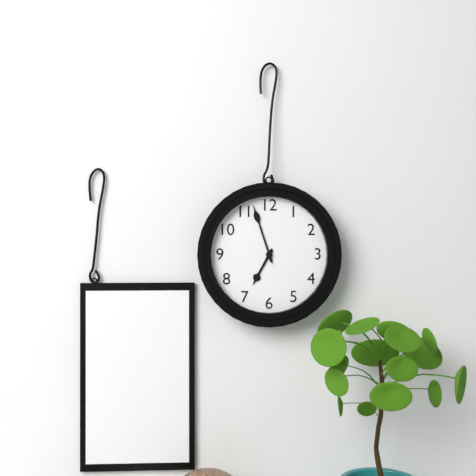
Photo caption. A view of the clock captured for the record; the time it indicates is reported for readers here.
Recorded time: 6:57
